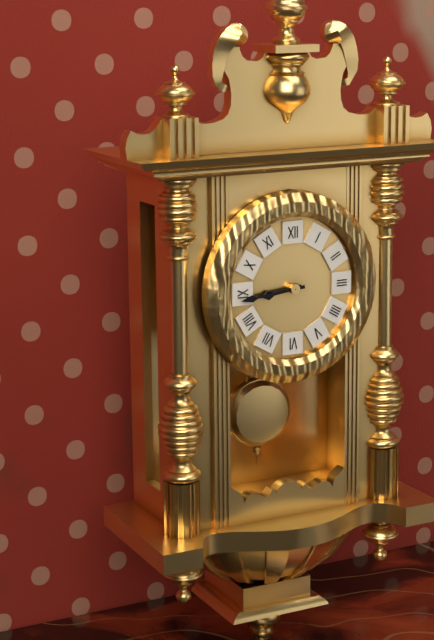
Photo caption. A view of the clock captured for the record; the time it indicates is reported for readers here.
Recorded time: 8:44
